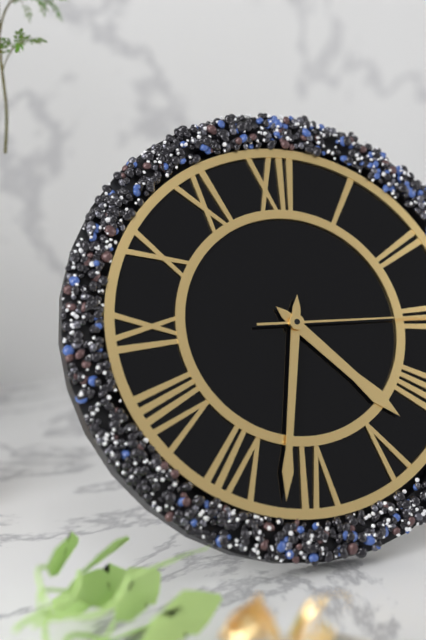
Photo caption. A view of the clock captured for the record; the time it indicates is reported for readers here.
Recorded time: 4:32
